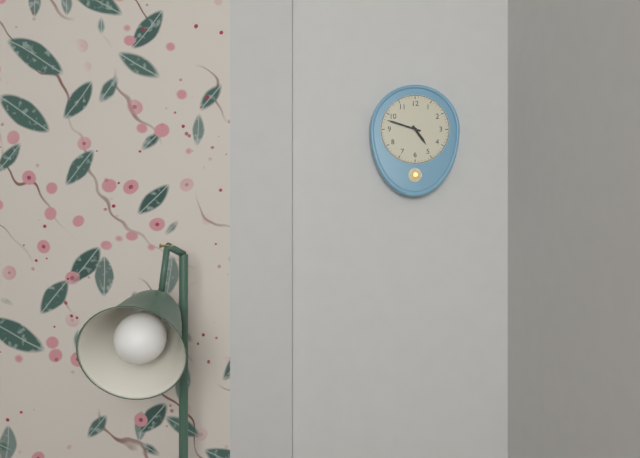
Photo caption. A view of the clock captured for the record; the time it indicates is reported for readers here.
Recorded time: 4:48
